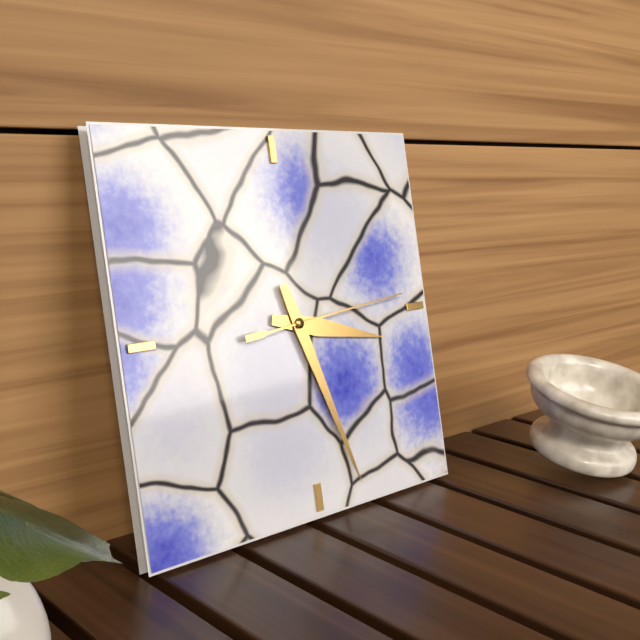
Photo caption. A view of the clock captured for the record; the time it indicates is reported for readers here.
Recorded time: 3:27:14
